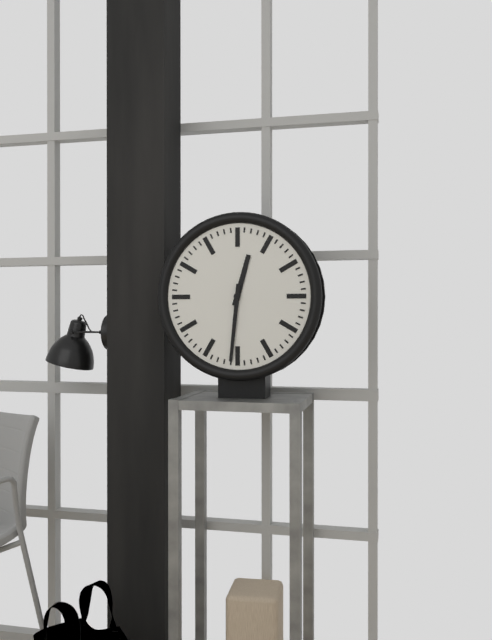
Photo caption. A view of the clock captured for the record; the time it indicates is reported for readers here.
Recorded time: 12:31
